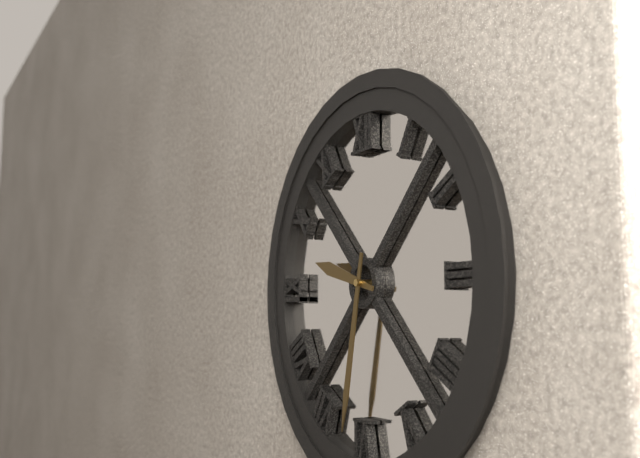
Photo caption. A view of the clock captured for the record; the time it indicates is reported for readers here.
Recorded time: 9:32
